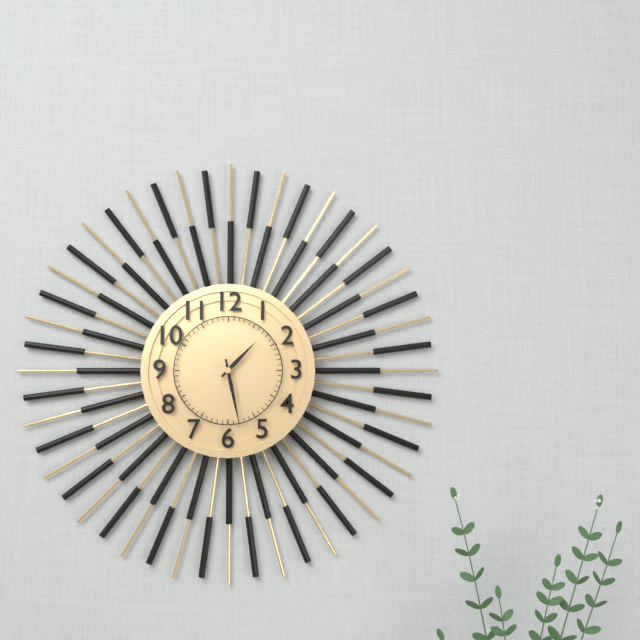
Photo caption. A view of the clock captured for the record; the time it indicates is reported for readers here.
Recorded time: 1:28
